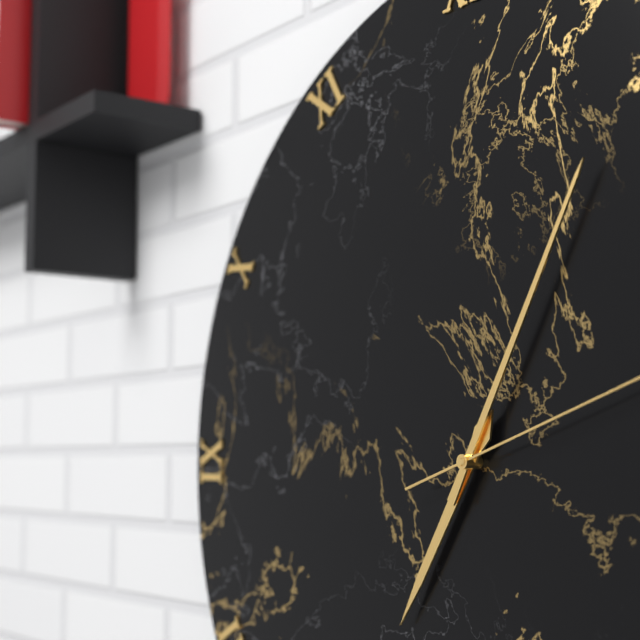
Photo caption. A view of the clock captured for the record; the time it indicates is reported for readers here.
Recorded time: 7:05
